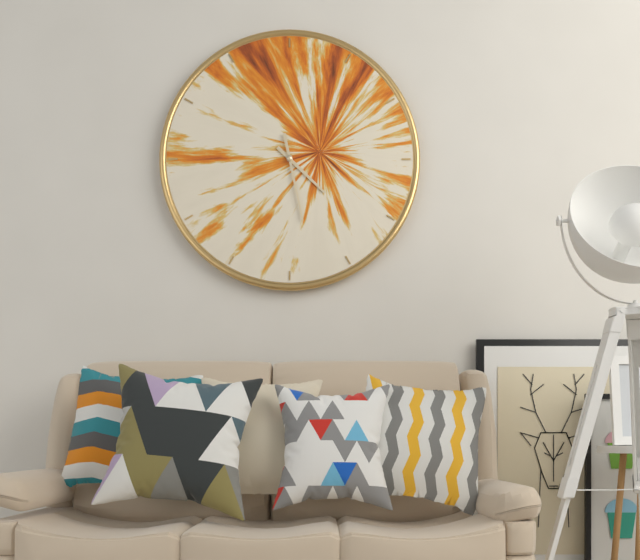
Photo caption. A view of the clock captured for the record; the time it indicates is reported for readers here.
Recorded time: 4:28
